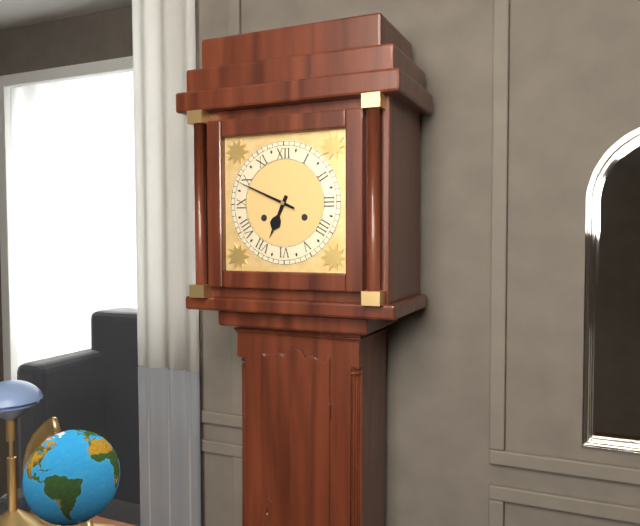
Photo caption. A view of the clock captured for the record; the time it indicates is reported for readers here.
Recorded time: 6:49
